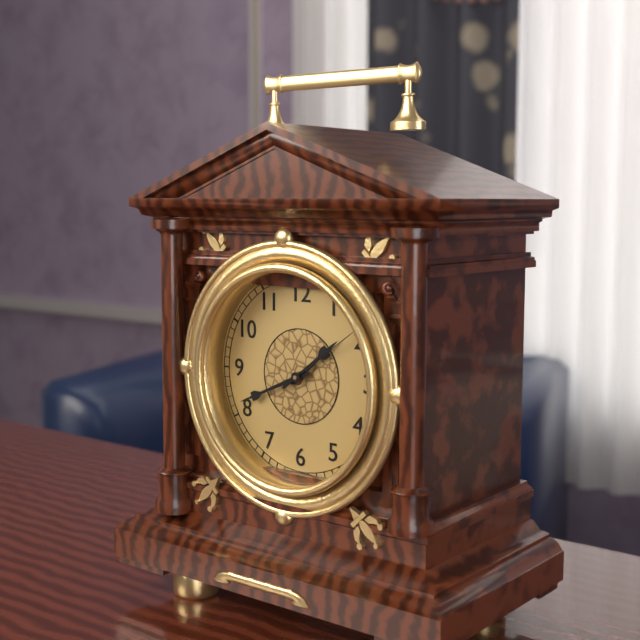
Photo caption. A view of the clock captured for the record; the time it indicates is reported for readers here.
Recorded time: 1:41:09
